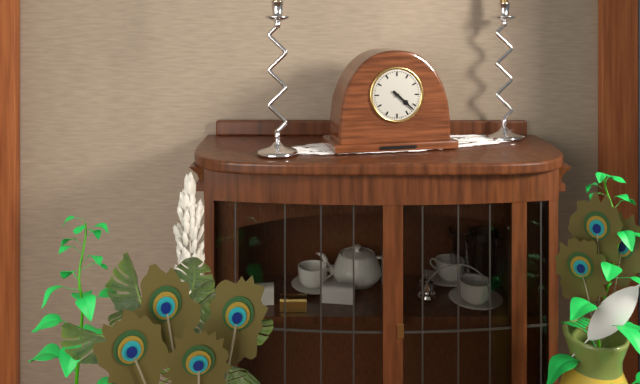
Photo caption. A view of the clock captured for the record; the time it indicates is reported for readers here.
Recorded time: 4:22
